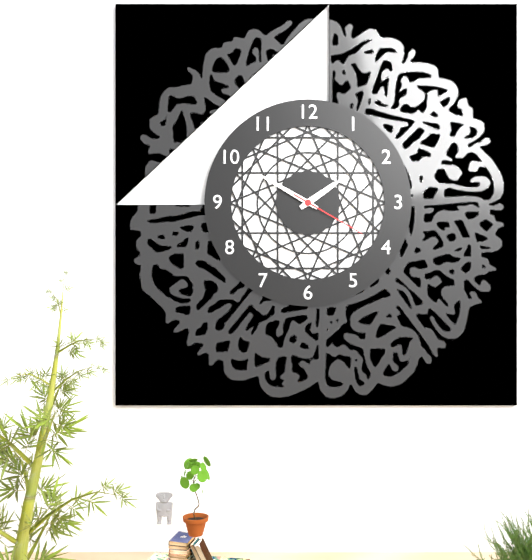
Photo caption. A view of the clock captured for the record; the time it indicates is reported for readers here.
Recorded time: 1:50:20
